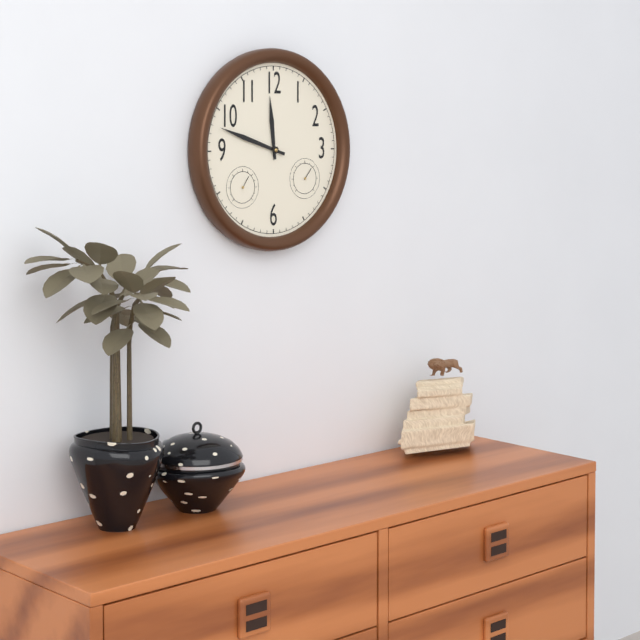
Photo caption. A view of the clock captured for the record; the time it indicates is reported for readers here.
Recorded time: 11:48
